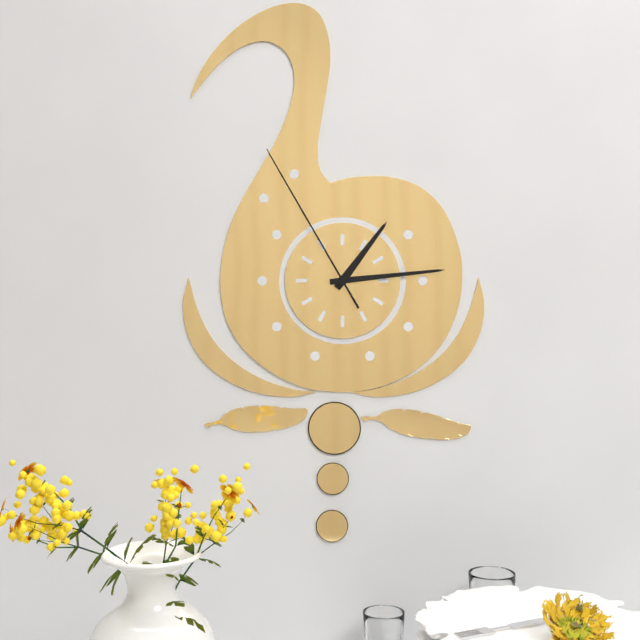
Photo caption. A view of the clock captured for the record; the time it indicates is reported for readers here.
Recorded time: 1:14:55
